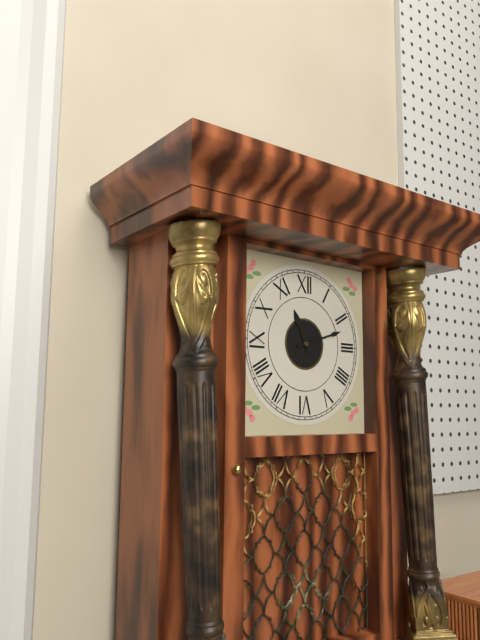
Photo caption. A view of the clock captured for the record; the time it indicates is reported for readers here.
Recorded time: 11:12
